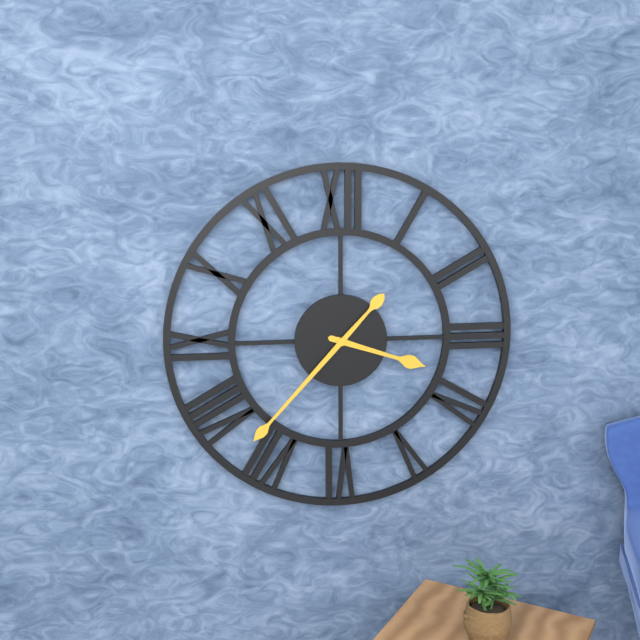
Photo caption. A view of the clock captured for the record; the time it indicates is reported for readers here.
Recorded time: 3:37
